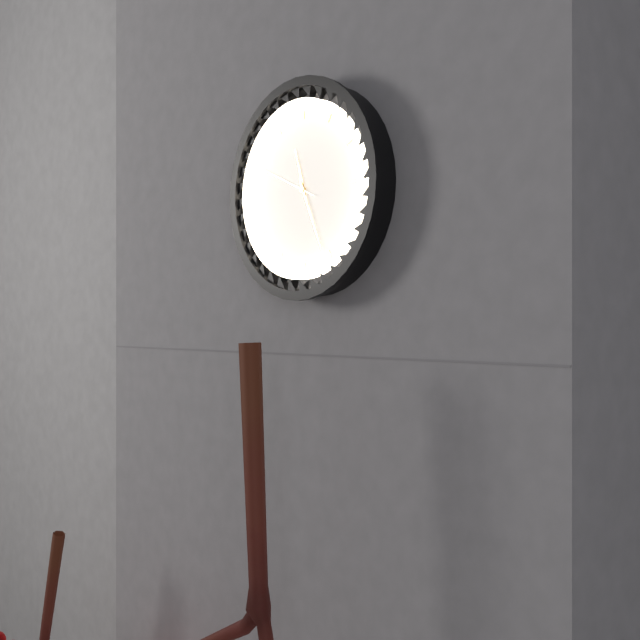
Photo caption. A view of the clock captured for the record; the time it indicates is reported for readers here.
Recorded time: 11:26:49
